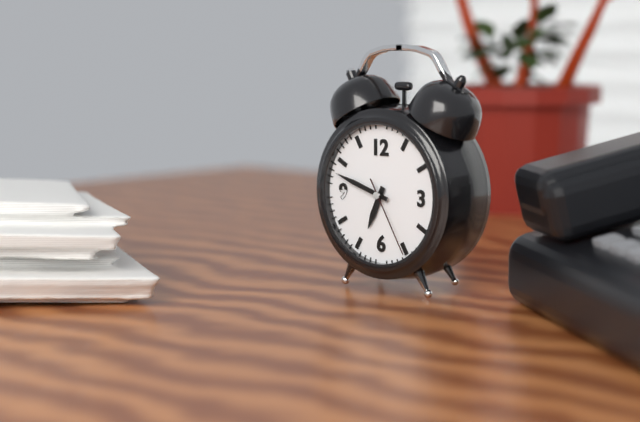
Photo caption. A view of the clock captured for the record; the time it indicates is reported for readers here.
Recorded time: 6:48:25
